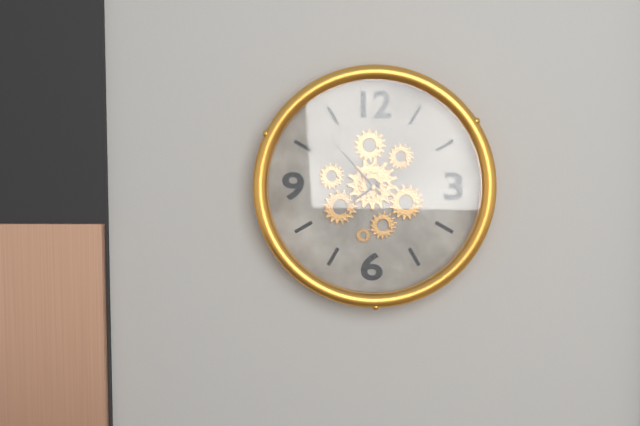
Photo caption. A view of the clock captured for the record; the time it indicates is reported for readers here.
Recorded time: 7:53
